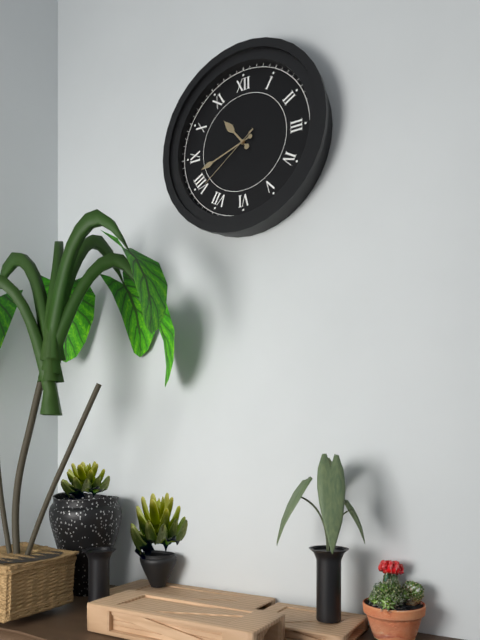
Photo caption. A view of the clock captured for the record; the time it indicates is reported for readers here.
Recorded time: 10:42:39
